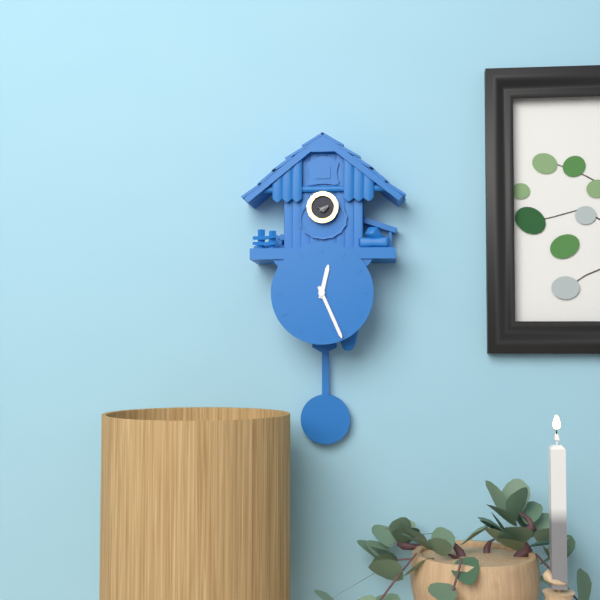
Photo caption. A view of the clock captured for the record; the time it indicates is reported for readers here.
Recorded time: 12:26
